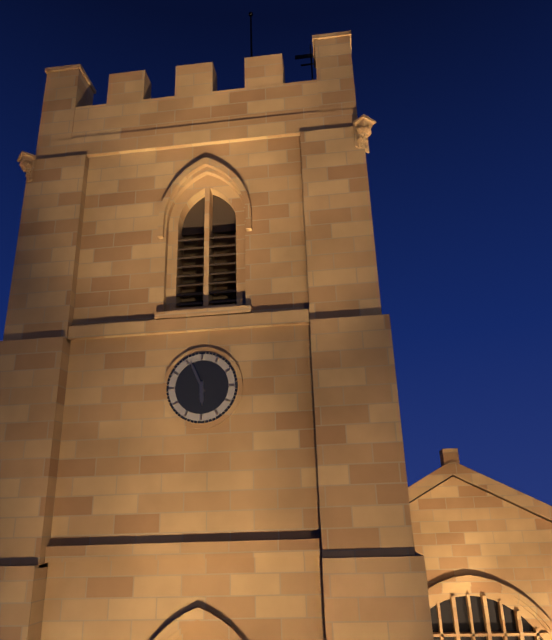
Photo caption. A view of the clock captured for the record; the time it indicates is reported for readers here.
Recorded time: 5:56
